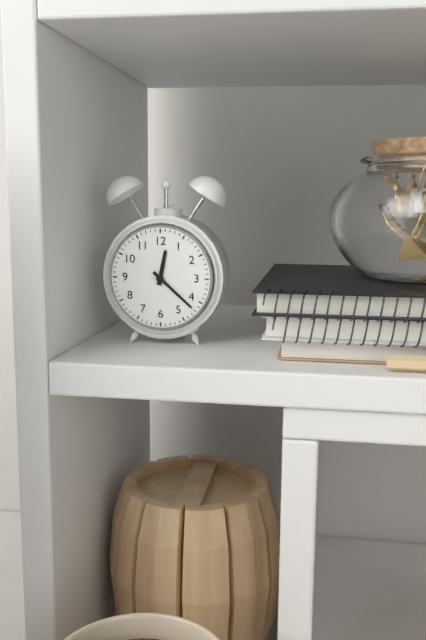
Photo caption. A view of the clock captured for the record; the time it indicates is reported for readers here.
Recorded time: 12:22
